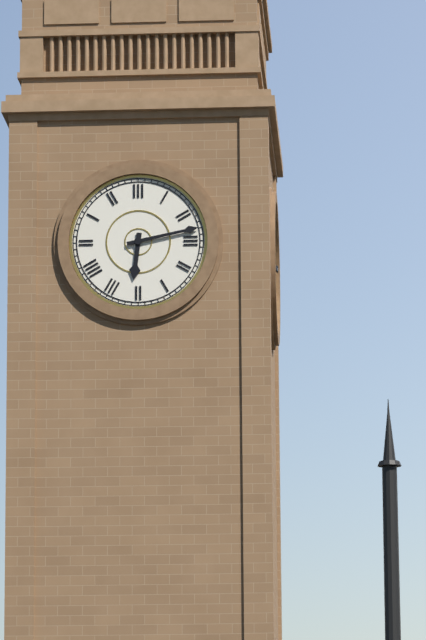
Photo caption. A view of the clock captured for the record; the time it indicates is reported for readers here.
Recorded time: 6:13
